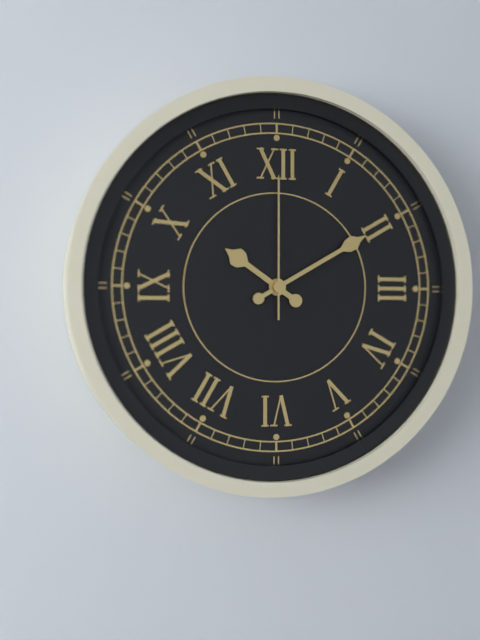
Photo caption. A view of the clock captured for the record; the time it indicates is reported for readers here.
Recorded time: 10:10:00
